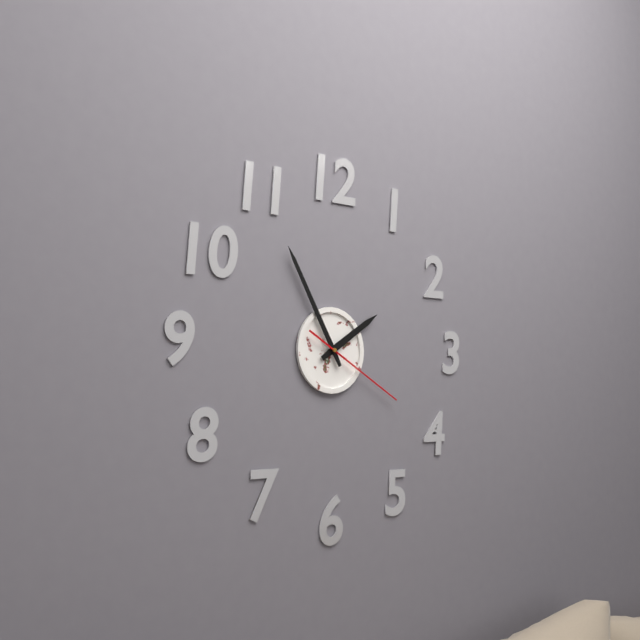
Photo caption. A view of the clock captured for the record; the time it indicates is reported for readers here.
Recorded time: 1:55:20
